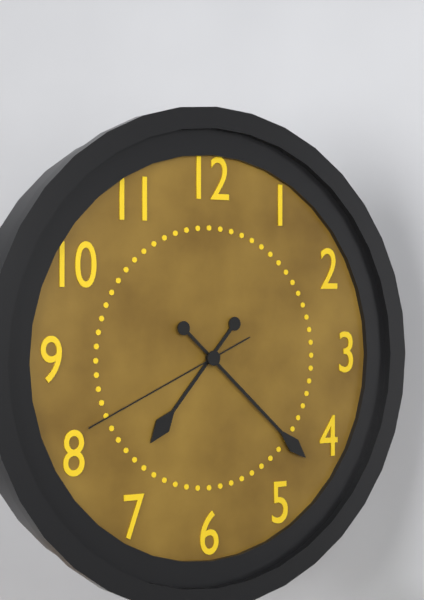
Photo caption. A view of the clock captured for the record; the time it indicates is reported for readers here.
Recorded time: 7:22:41
